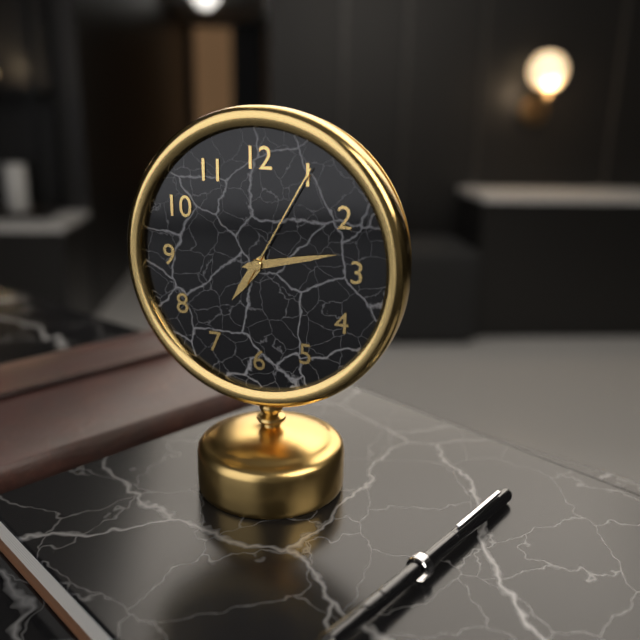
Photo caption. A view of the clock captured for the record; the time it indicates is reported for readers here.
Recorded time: 7:13:05
